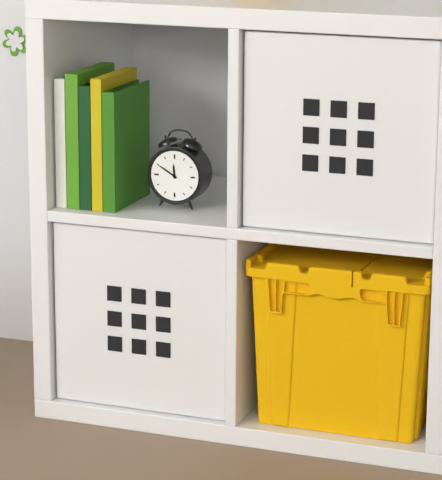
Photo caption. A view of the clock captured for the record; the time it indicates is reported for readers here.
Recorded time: 11:50
